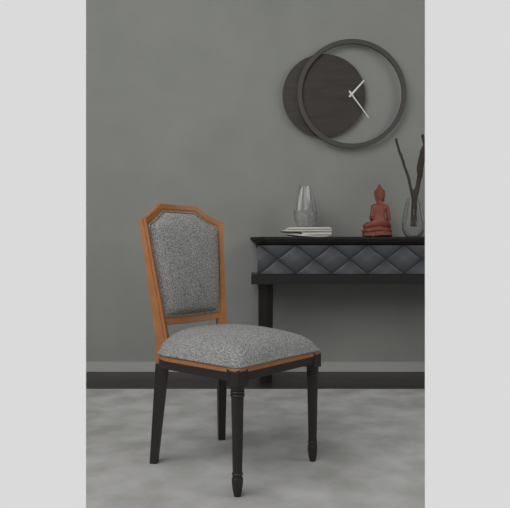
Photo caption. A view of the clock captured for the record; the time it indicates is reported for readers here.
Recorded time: 1:24
